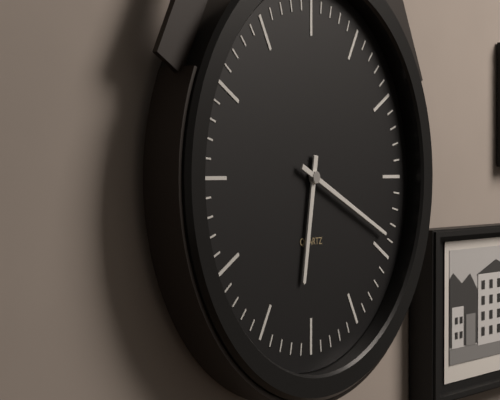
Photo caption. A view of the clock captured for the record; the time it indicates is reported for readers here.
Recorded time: 6:19
